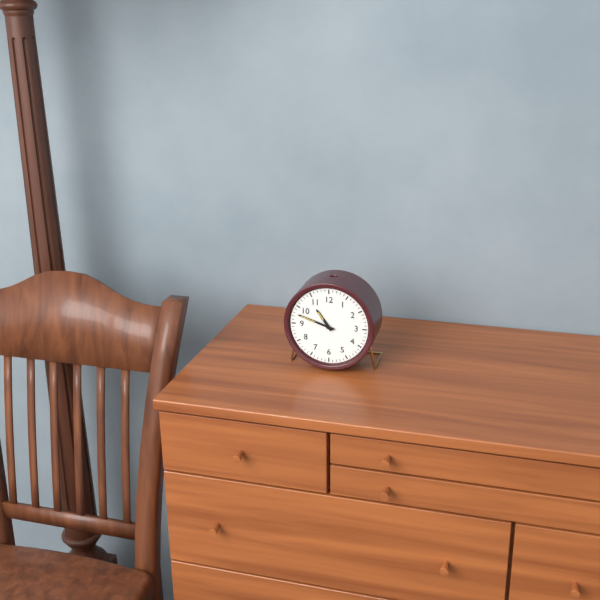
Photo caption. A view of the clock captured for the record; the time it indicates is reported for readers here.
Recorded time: 10:48
